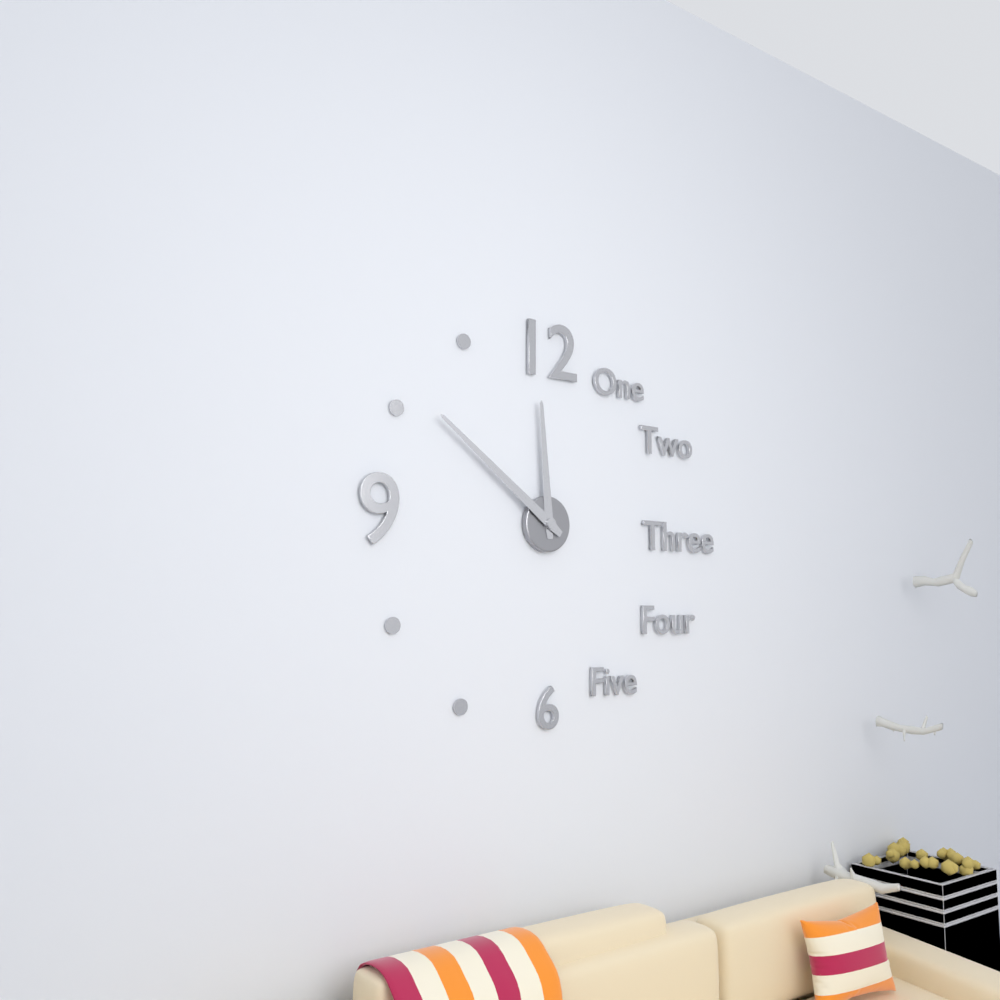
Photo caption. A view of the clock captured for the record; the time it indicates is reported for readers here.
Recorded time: 11:51
